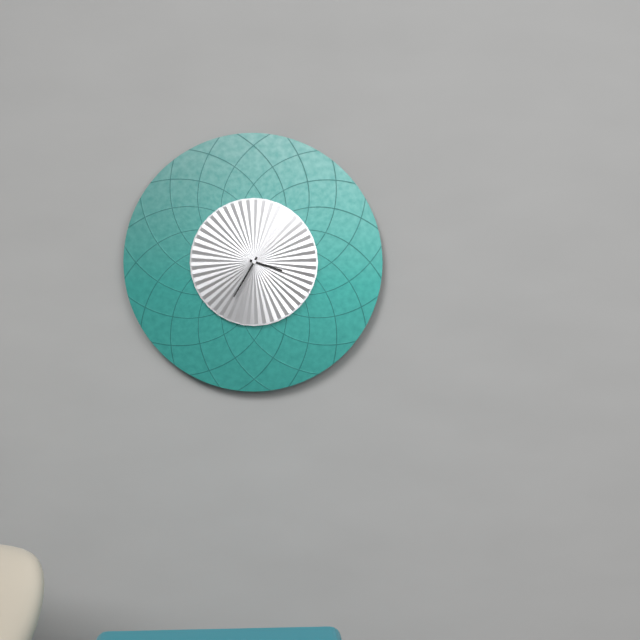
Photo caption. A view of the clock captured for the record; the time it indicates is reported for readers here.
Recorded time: 3:35
